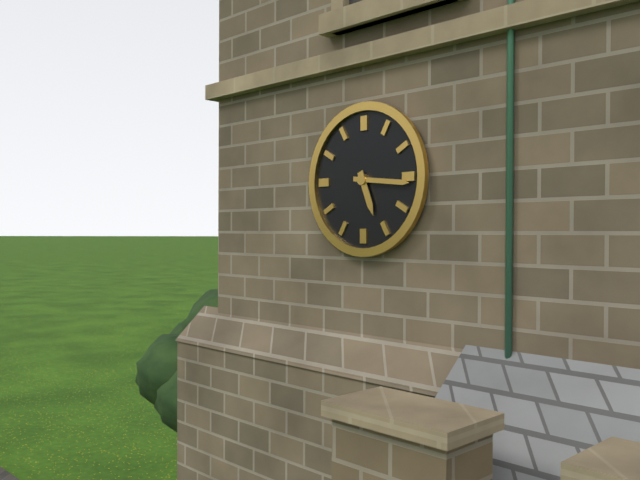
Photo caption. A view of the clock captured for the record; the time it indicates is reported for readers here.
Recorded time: 5:16
